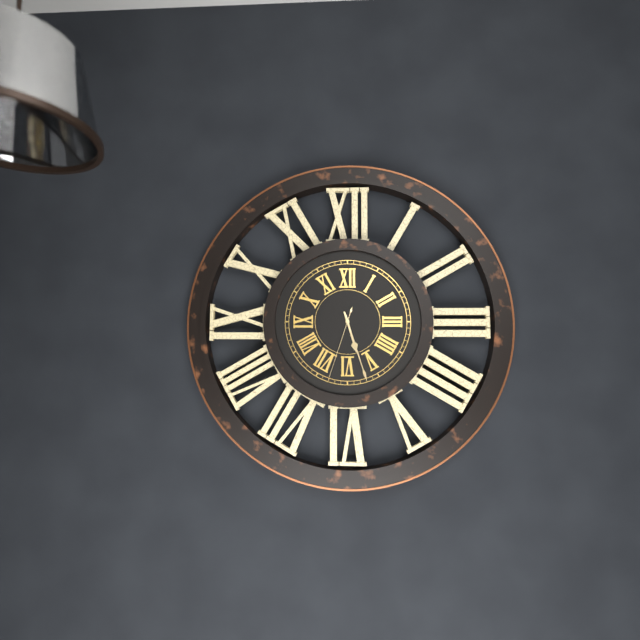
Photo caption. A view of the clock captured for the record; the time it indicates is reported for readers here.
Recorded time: 5:27:33
